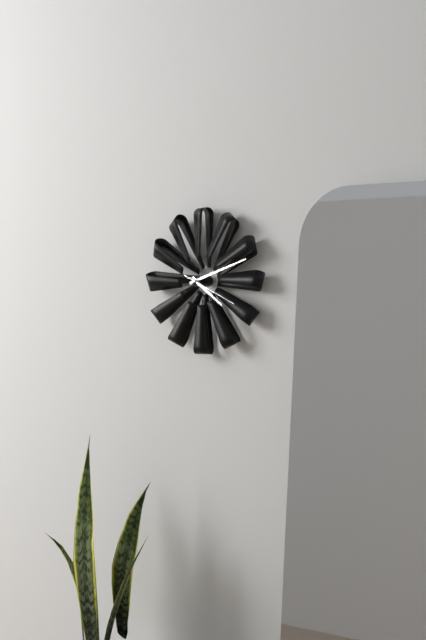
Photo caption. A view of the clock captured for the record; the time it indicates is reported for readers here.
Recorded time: 4:12:19
